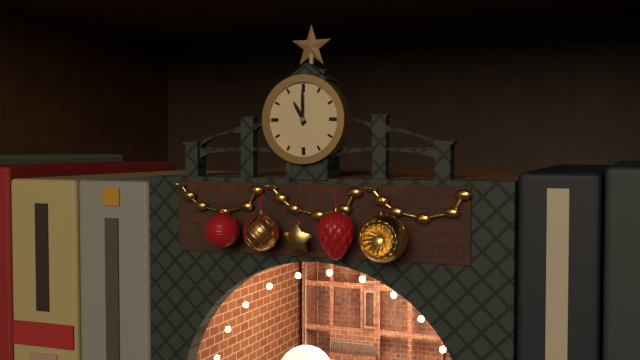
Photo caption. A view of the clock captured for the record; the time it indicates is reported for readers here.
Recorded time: 11:00
